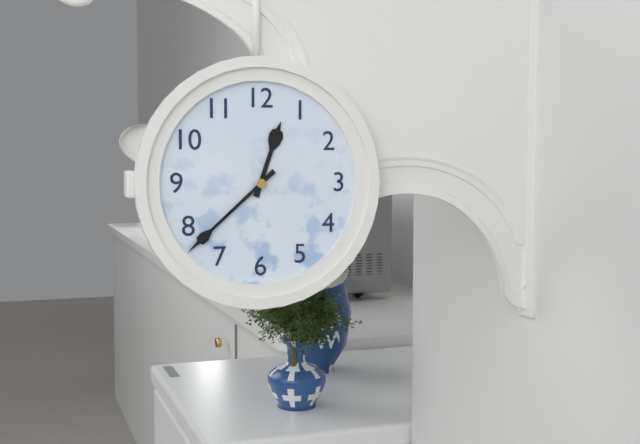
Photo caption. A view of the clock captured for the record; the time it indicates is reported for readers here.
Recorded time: 12:38
